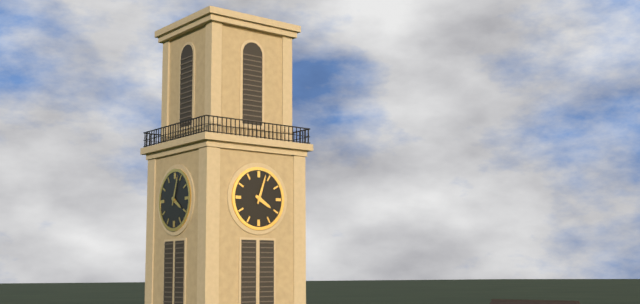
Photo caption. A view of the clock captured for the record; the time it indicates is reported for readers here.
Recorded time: 4:03
